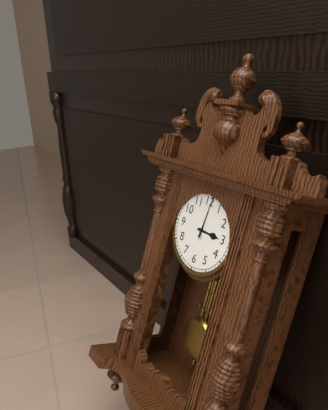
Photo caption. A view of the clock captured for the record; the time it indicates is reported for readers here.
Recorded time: 3:01
